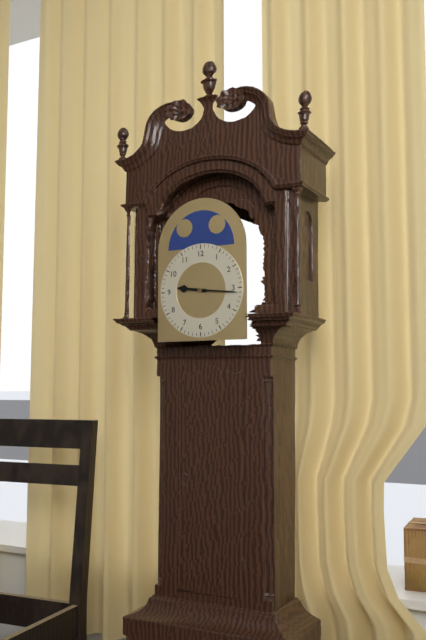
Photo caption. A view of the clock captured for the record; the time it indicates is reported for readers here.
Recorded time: 9:16
